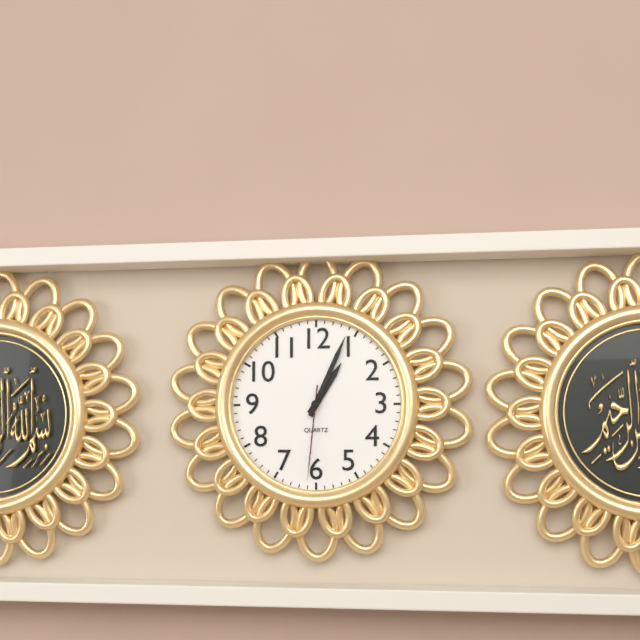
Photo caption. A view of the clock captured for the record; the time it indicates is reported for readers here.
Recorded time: 1:04:31
